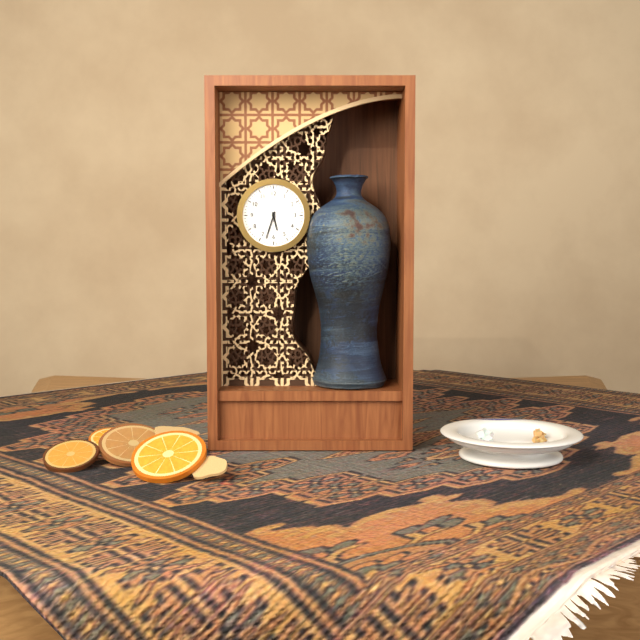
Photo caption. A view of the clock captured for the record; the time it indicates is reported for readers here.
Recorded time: 5:33
